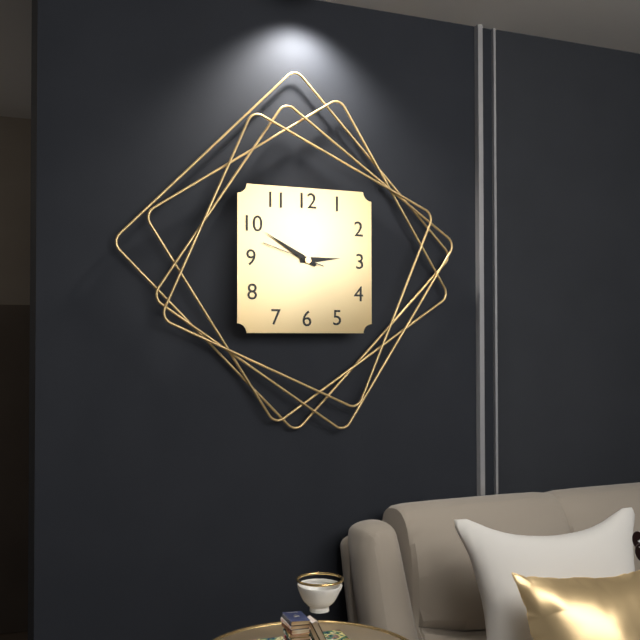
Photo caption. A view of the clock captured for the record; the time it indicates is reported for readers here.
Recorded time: 2:50:48
